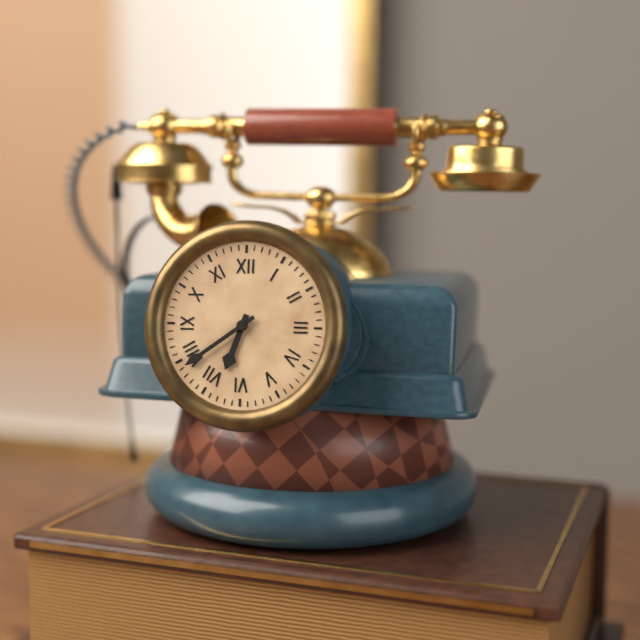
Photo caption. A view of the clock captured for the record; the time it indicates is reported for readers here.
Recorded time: 6:39
